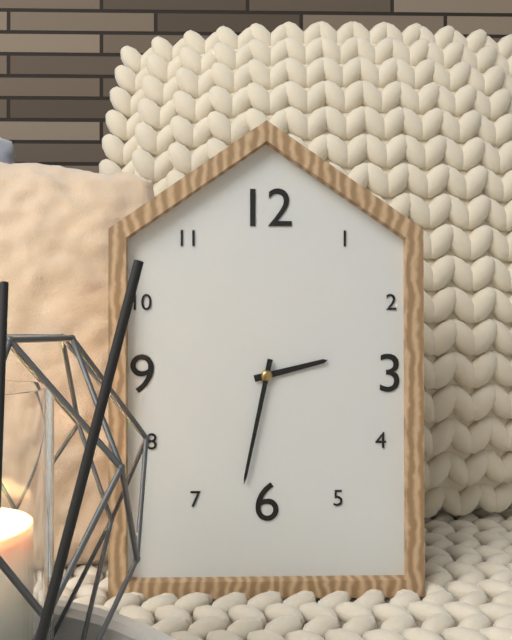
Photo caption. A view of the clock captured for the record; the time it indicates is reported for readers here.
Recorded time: 2:32
